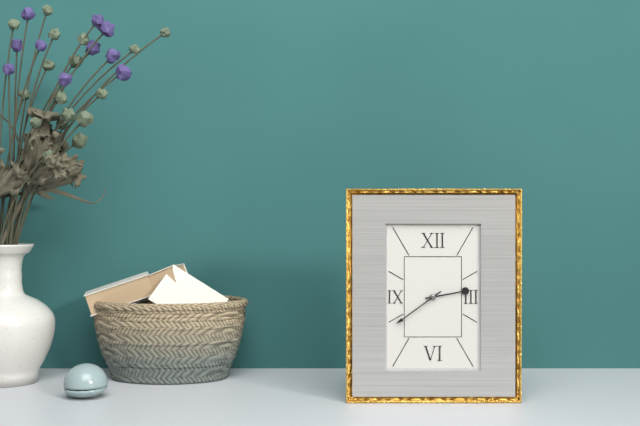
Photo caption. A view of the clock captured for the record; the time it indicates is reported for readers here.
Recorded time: 2:39
